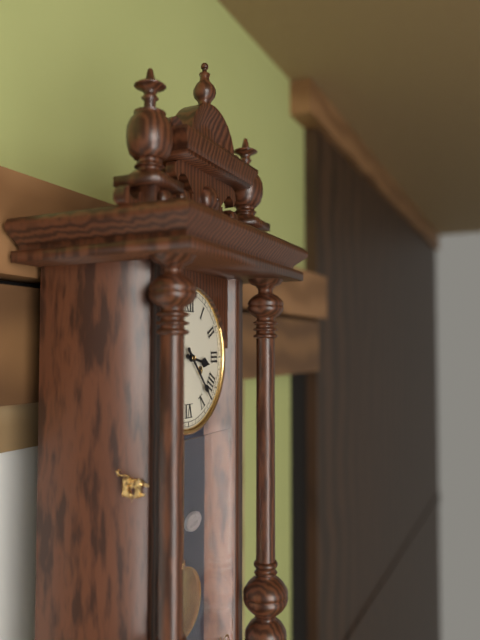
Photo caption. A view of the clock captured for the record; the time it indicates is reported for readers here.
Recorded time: 3:23
